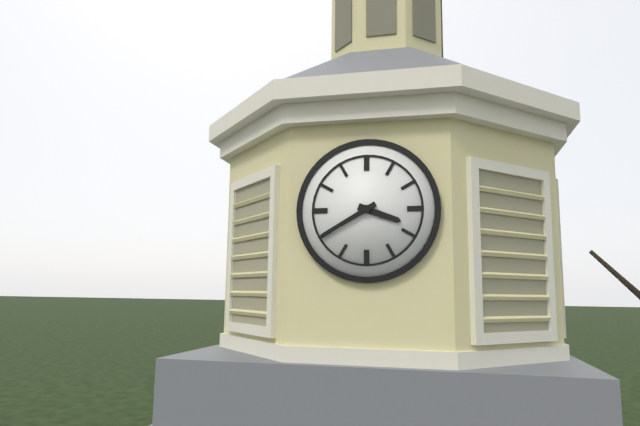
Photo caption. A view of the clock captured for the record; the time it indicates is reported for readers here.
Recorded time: 3:40
